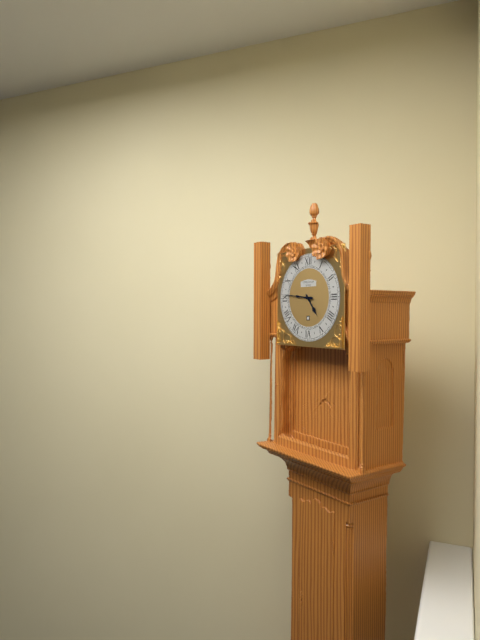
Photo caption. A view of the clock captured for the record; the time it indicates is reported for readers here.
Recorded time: 4:46
